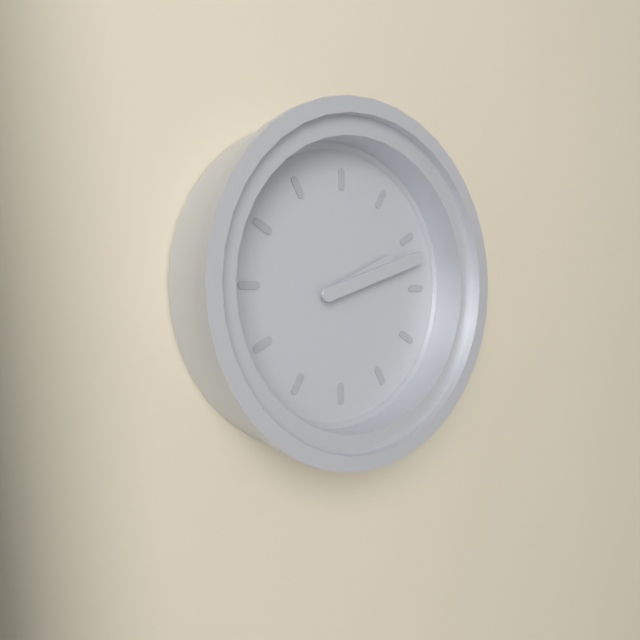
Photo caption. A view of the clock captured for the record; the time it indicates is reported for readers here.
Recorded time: 2:12
